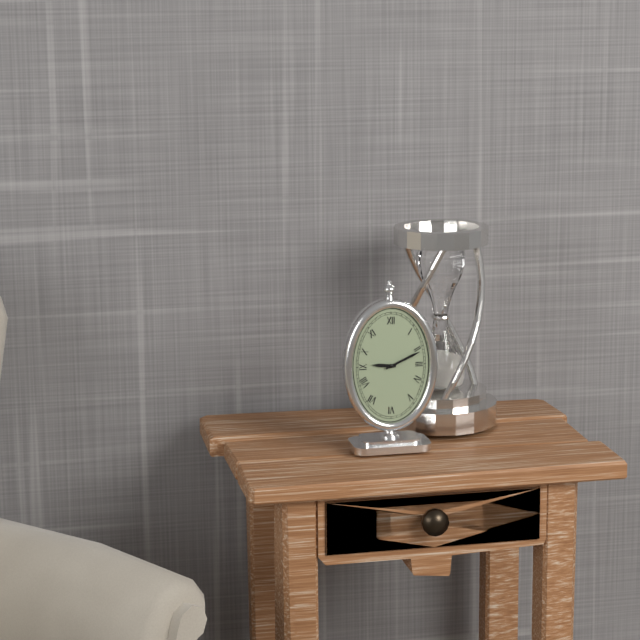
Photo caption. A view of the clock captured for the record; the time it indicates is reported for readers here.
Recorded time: 9:11
